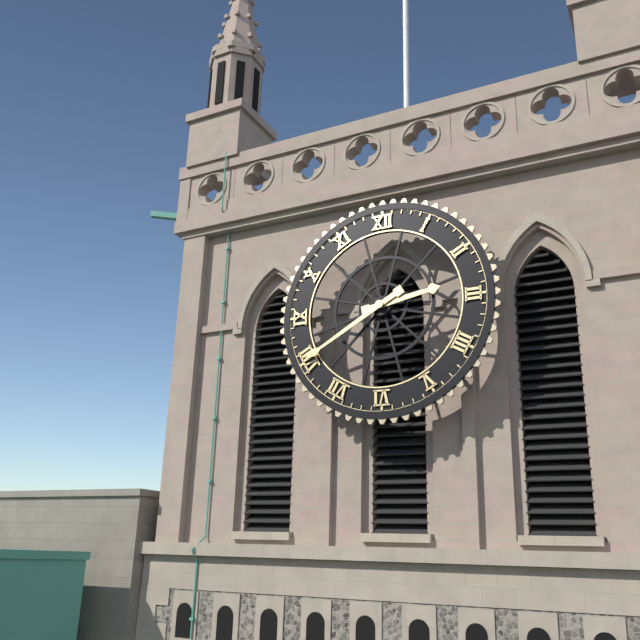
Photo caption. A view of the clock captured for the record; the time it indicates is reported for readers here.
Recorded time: 2:40
